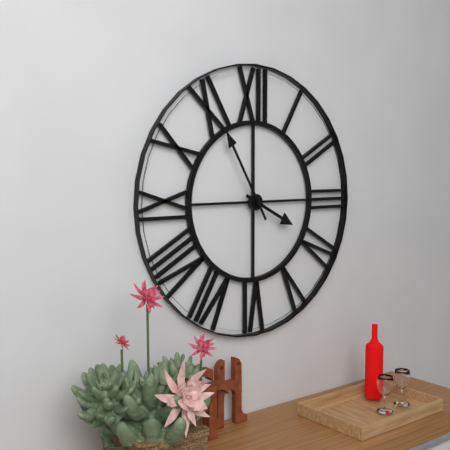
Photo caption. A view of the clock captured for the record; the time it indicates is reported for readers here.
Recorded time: 3:55
